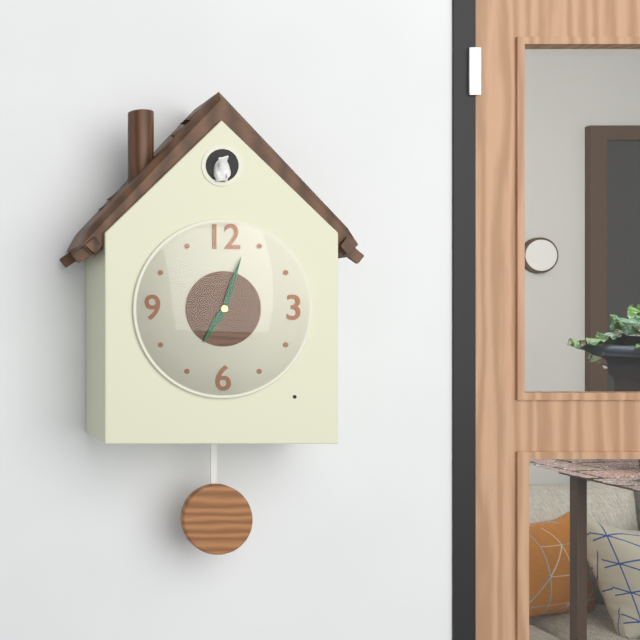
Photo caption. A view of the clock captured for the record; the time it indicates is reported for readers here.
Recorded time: 7:03
